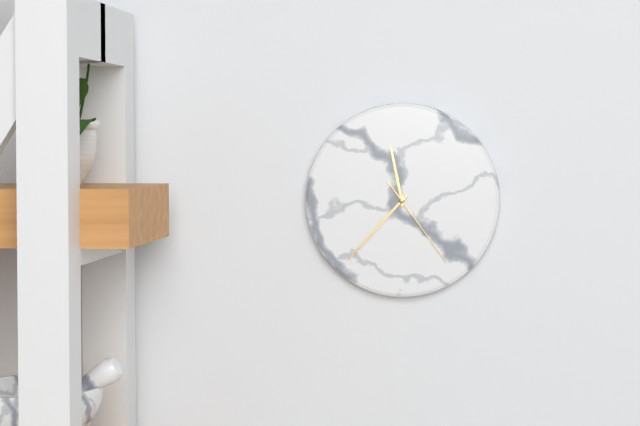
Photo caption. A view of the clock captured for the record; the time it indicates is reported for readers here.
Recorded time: 11:37:24
